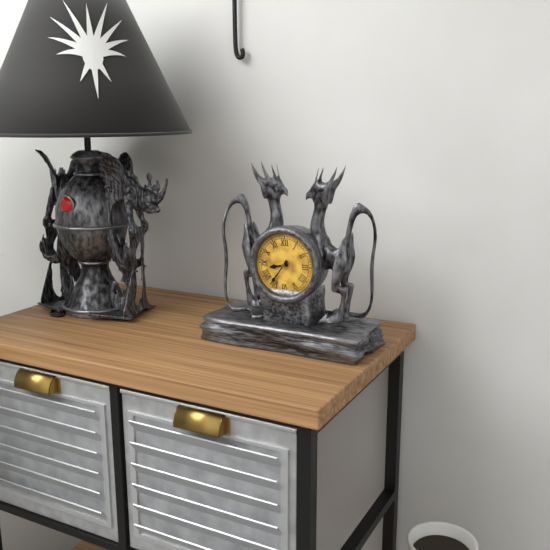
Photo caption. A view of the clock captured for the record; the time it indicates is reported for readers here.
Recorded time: 8:36
